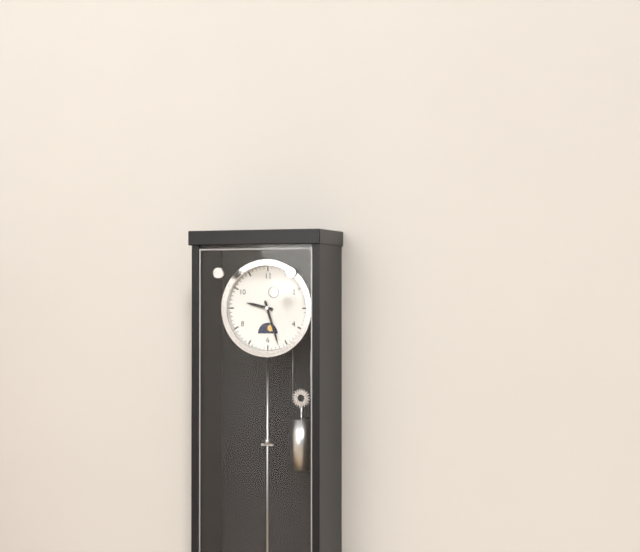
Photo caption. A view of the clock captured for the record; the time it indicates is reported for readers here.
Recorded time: 9:27
